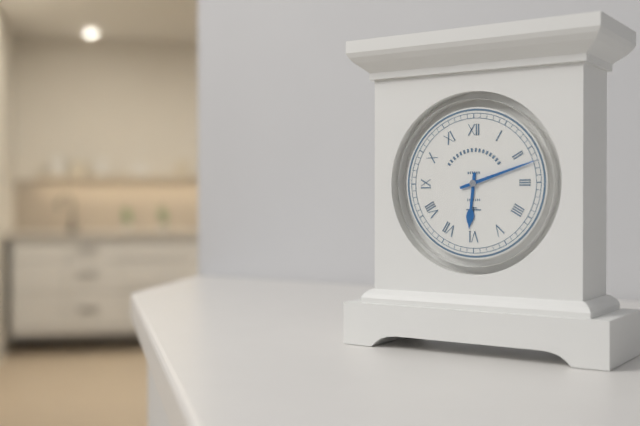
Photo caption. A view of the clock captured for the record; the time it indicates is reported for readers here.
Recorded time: 6:12
